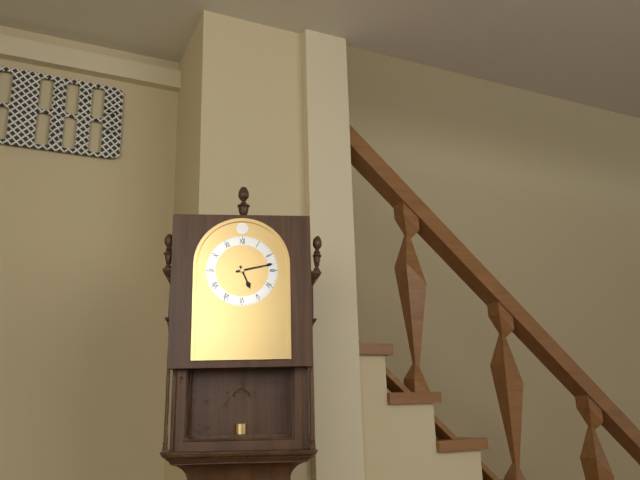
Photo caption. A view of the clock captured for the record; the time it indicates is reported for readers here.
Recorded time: 5:13
